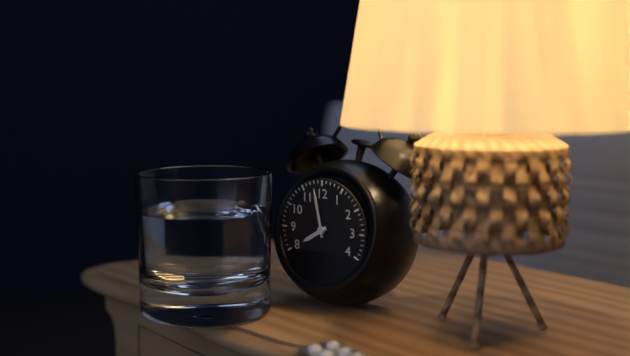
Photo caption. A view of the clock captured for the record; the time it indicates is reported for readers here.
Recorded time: 7:58
